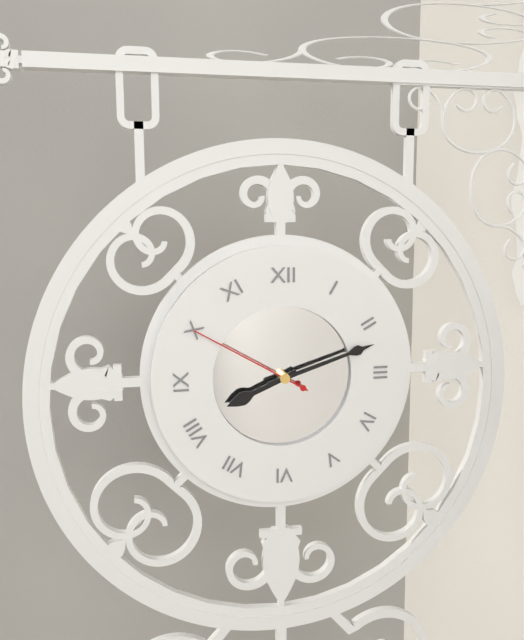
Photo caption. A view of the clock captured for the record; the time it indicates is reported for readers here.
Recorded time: 8:12:50
